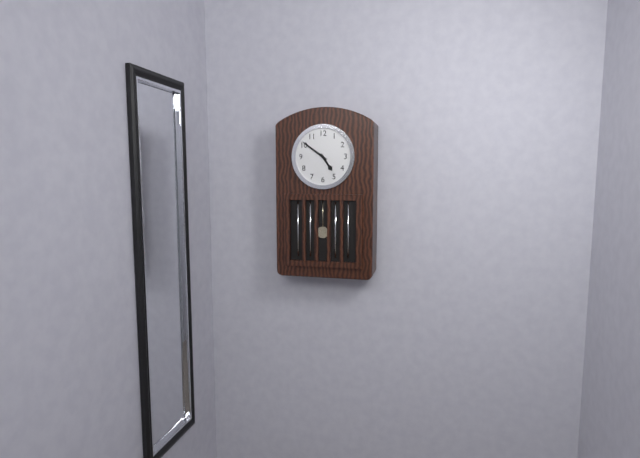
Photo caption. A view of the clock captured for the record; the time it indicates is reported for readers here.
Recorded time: 4:51
